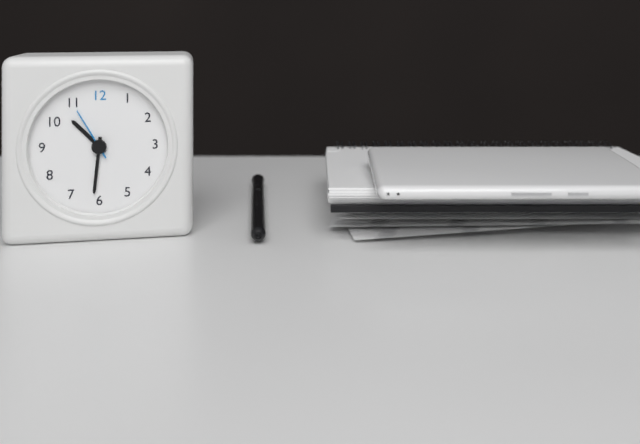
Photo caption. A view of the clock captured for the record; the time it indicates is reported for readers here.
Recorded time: 10:31:55
